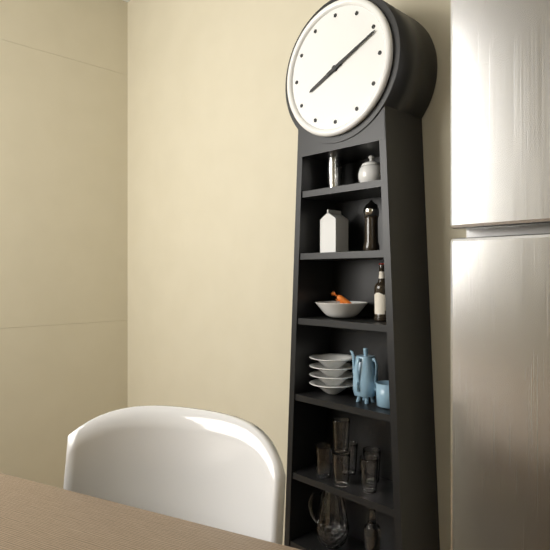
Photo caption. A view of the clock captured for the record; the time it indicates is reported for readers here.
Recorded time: 8:11
